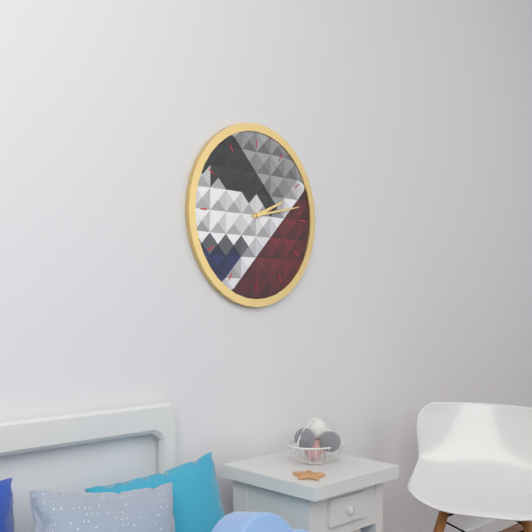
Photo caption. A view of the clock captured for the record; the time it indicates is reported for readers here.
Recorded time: 2:13
